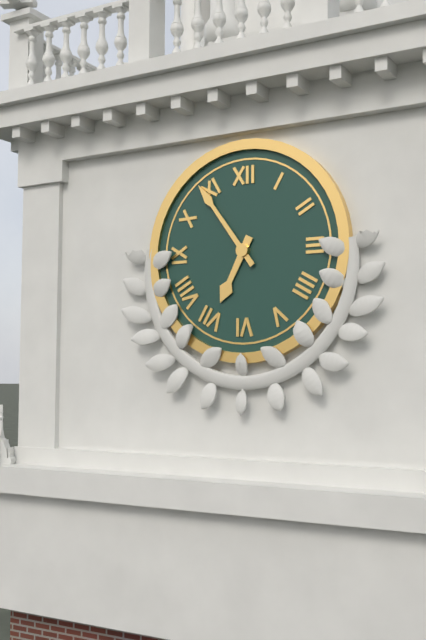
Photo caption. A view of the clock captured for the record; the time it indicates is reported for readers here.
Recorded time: 6:54
